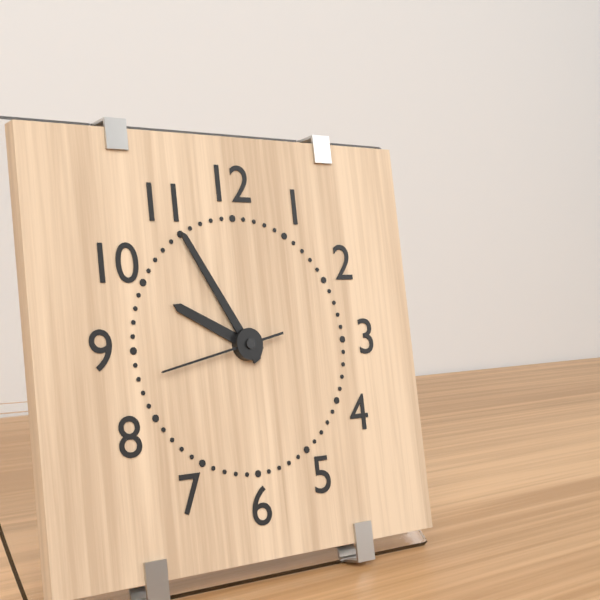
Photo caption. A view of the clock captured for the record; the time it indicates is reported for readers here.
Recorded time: 9:55:43
